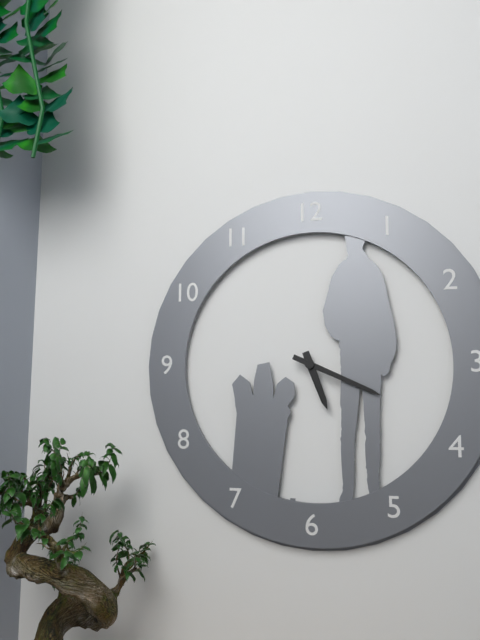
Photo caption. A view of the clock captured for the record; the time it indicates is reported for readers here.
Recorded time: 5:19
